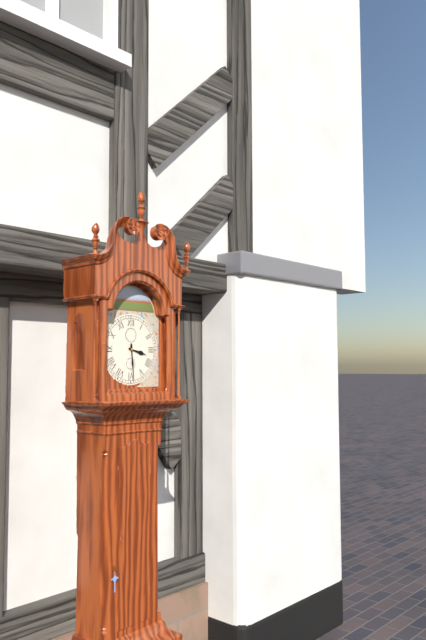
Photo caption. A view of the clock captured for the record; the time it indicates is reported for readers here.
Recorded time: 3:29
